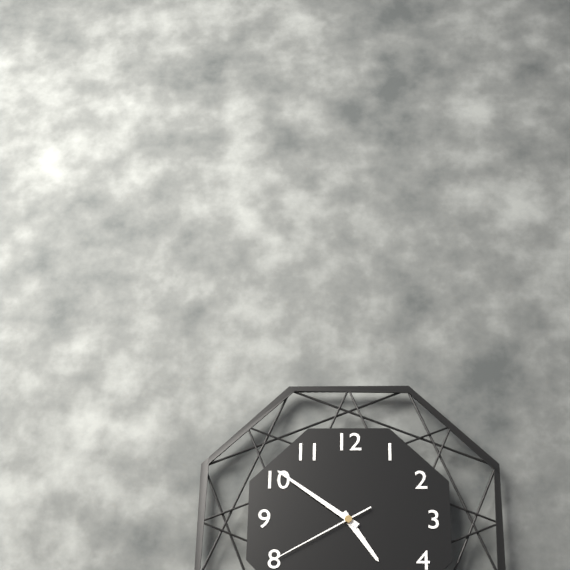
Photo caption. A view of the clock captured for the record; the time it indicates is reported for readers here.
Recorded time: 4:51:40
